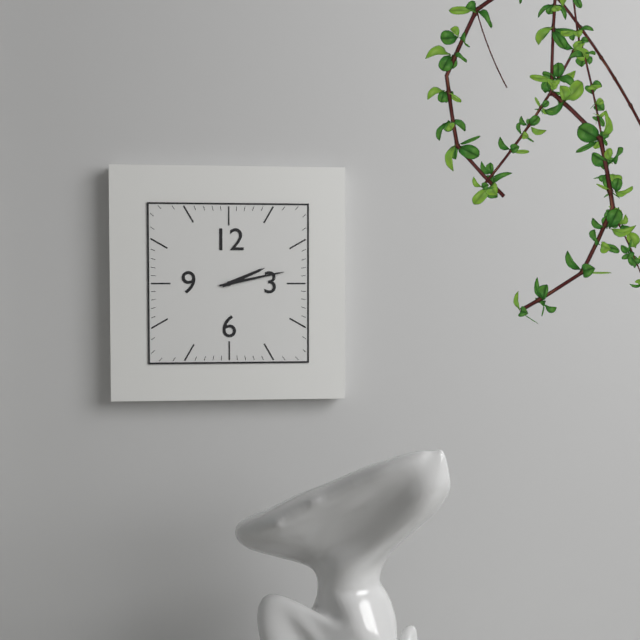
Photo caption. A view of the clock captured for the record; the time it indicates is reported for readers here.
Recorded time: 2:13
